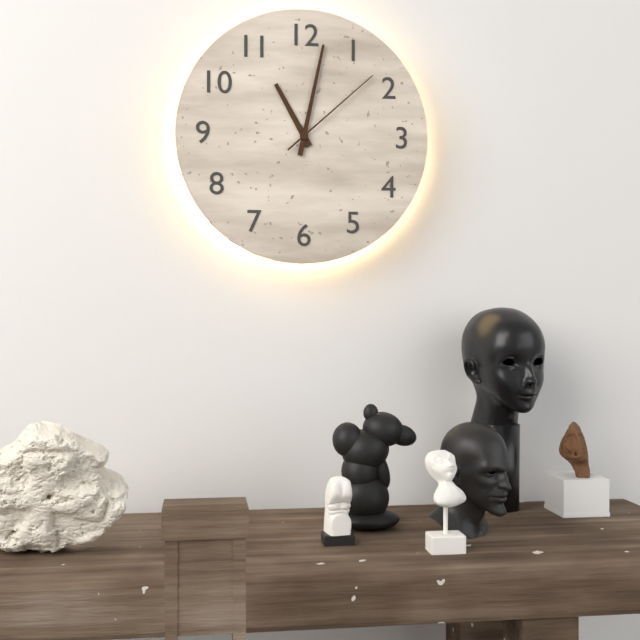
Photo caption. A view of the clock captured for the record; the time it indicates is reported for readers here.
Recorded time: 11:02:08
